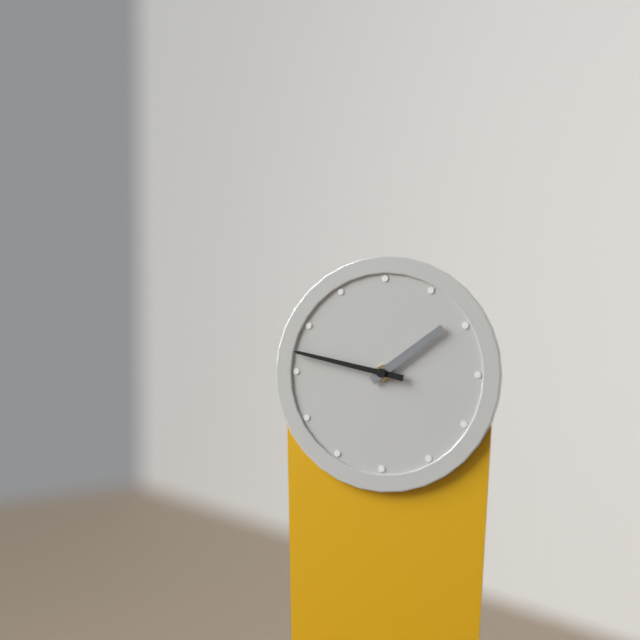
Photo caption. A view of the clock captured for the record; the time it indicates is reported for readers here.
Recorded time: 1:47
